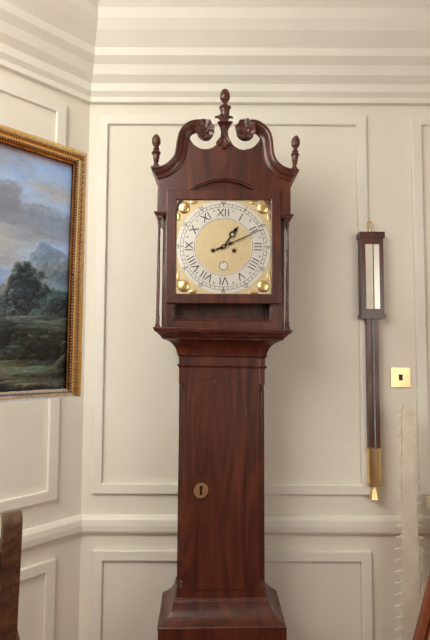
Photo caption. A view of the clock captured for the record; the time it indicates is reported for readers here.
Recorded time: 1:11
